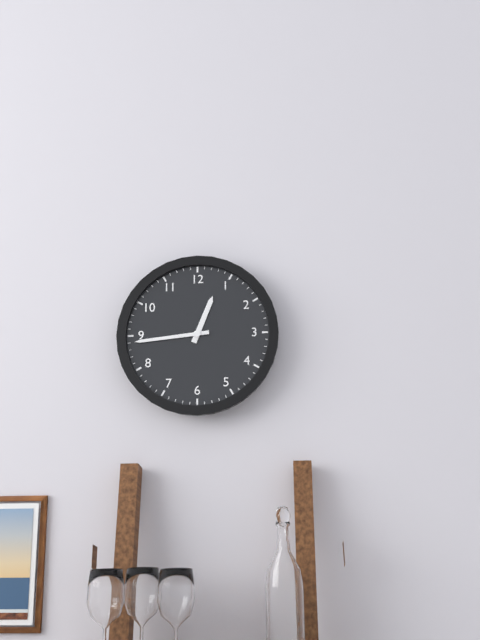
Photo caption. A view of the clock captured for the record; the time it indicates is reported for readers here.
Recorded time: 12:44
